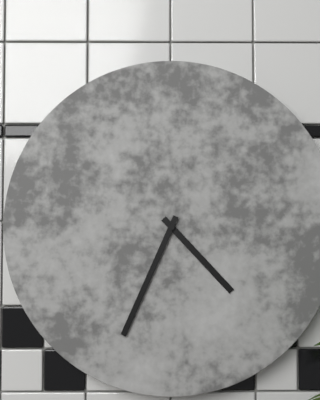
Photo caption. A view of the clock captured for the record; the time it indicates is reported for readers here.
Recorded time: 4:34
